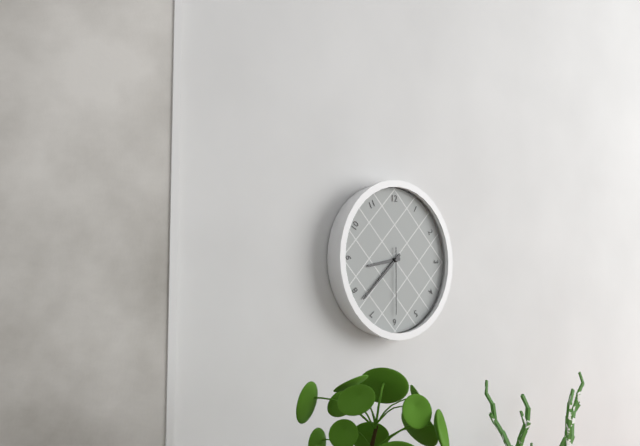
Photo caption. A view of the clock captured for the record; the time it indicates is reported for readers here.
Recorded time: 8:38:30
